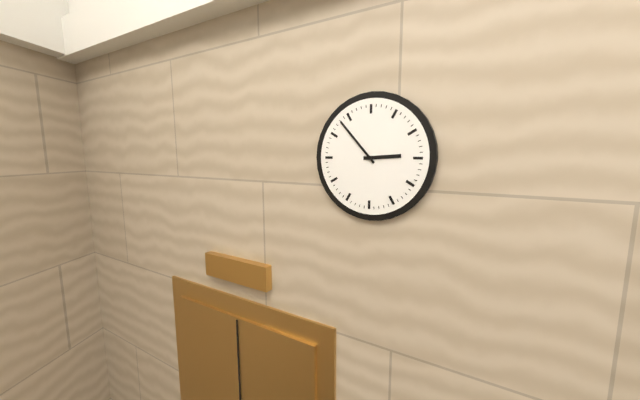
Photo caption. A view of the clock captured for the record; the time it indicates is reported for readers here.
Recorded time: 2:53
